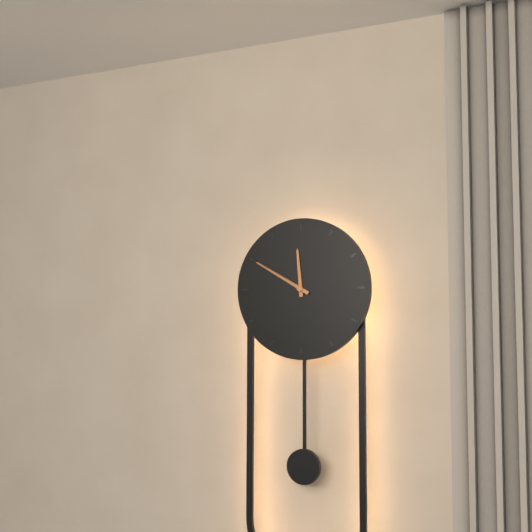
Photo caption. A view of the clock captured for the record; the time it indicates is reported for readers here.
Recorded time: 11:50
